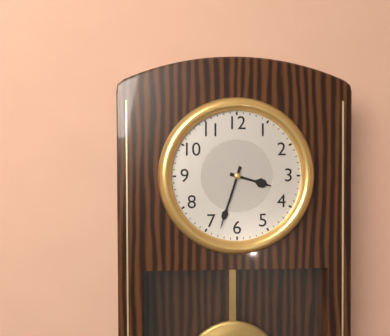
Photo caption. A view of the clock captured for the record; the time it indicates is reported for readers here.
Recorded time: 3:33
